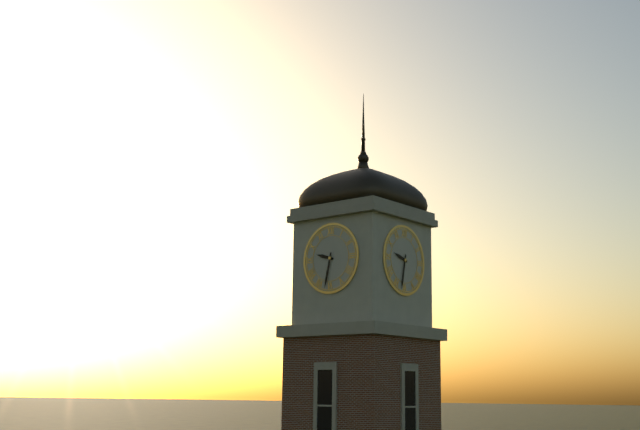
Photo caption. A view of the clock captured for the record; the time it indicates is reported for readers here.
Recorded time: 9:32
